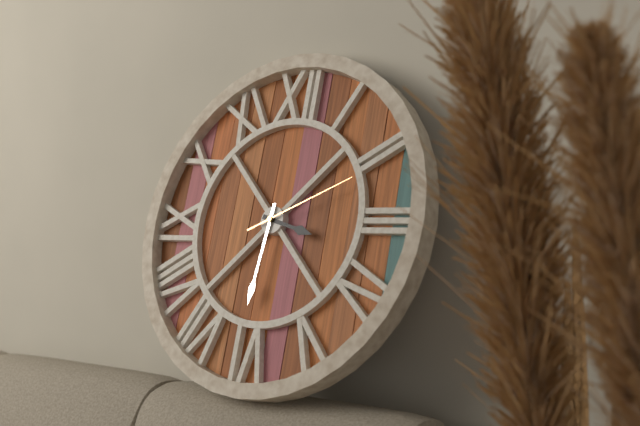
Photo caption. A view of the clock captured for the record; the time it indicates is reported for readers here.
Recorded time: 3:31:11
